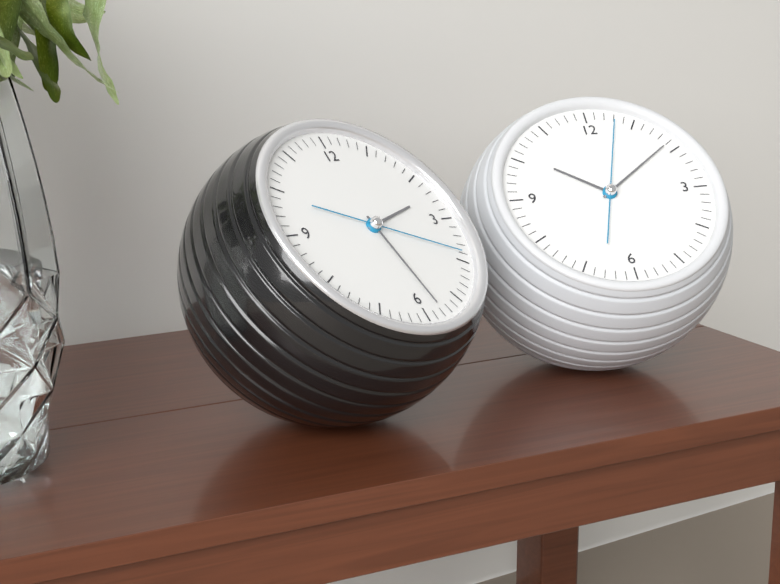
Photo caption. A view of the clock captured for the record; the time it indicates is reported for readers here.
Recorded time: 2:28:19
